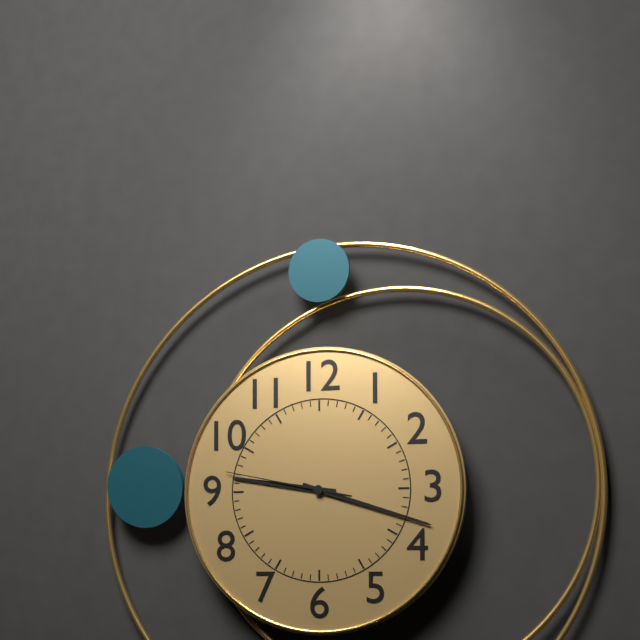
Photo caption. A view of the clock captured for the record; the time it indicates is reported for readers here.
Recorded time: 9:18:47
